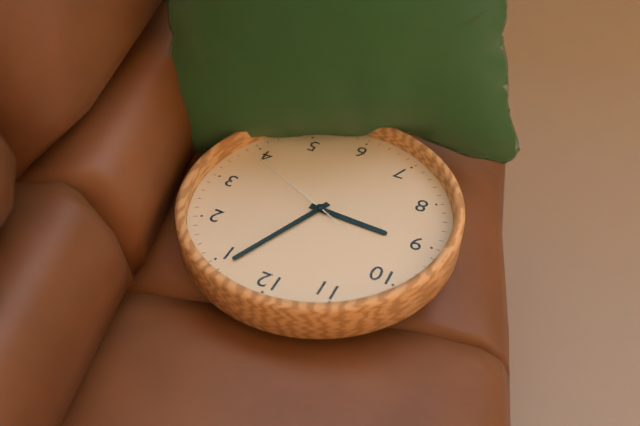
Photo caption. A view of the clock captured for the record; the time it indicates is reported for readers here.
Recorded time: 9:04:19
